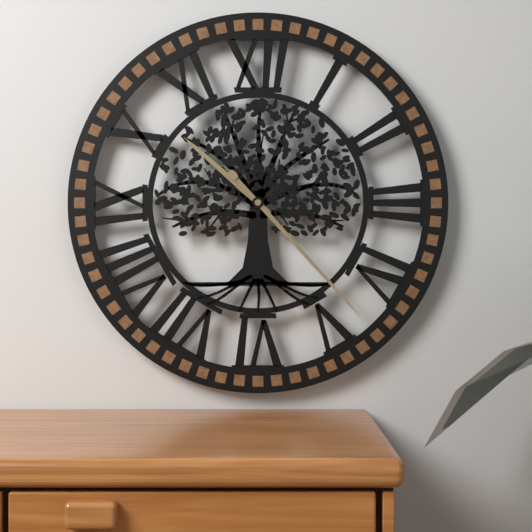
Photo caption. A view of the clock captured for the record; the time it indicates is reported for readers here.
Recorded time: 10:23
